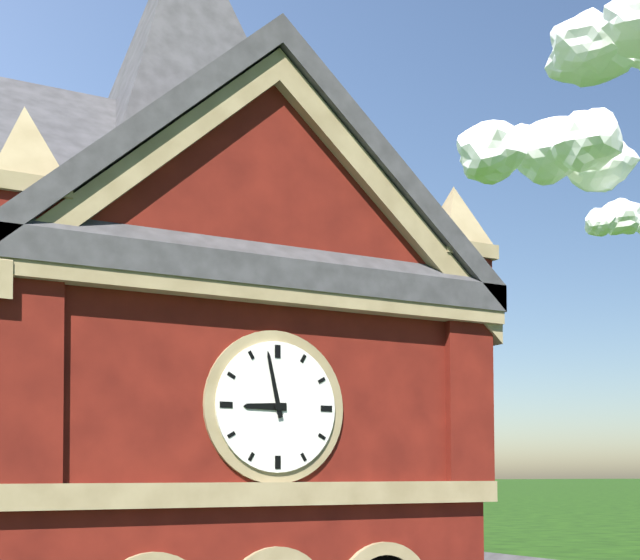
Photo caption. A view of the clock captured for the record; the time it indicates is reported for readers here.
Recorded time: 8:58
